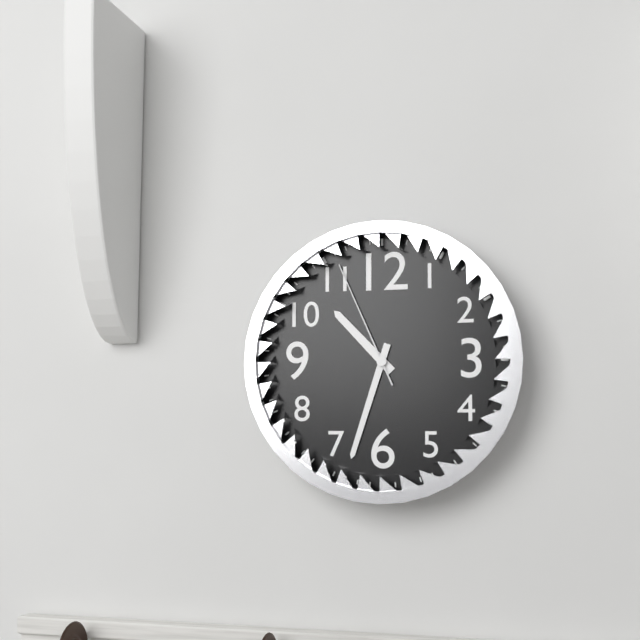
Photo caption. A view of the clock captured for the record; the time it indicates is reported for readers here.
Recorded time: 10:33:56
